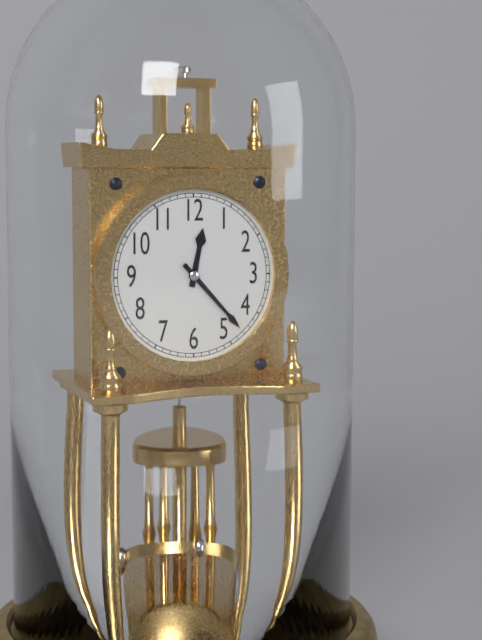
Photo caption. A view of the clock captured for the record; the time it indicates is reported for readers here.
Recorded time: 12:23
